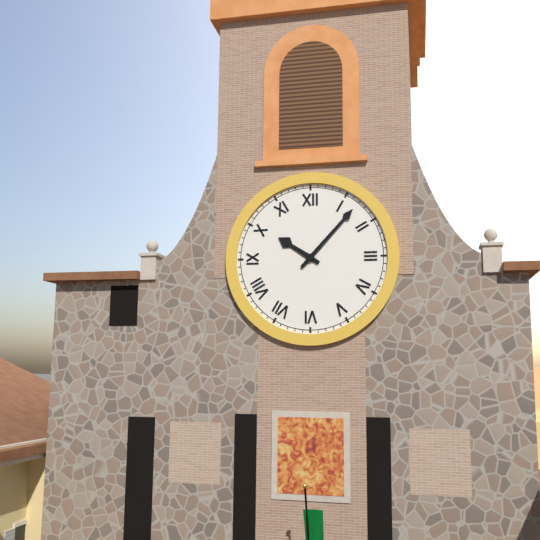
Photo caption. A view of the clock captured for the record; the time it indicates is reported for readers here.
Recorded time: 10:07
